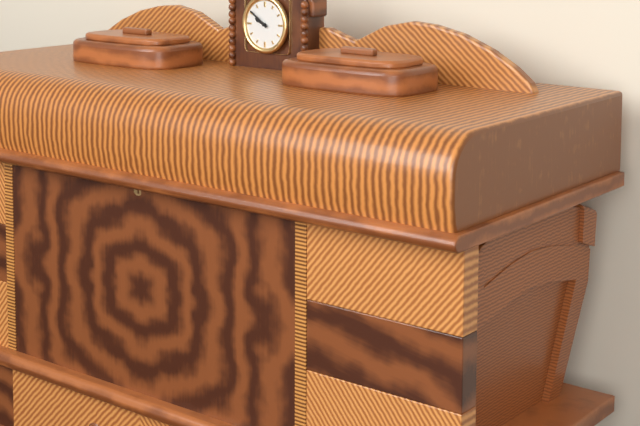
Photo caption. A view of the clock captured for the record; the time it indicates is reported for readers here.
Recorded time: 9:51
